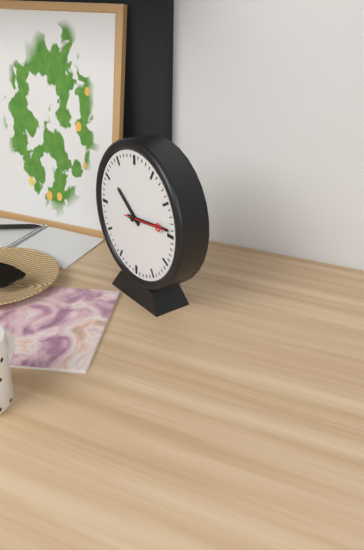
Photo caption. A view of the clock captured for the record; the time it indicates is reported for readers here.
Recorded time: 10:14
